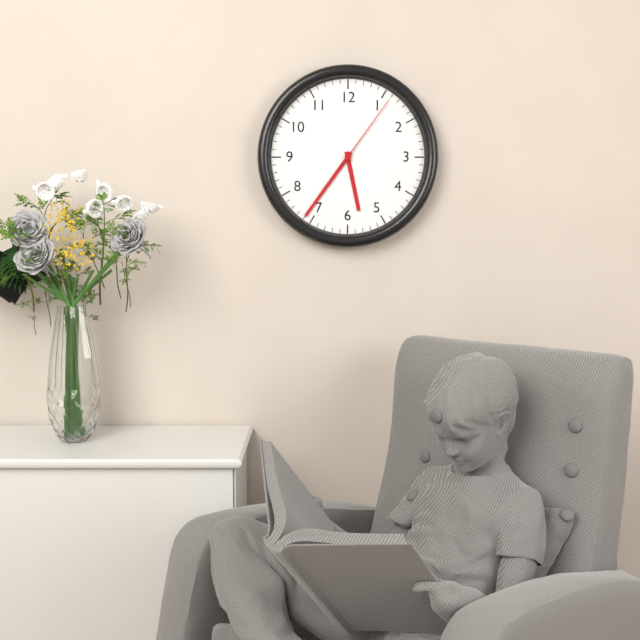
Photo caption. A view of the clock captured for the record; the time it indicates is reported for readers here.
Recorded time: 5:36:06
